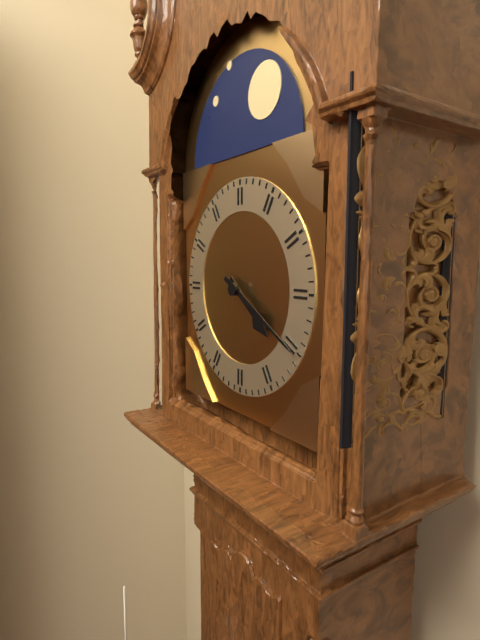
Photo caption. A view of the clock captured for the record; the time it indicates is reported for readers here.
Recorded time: 4:20
